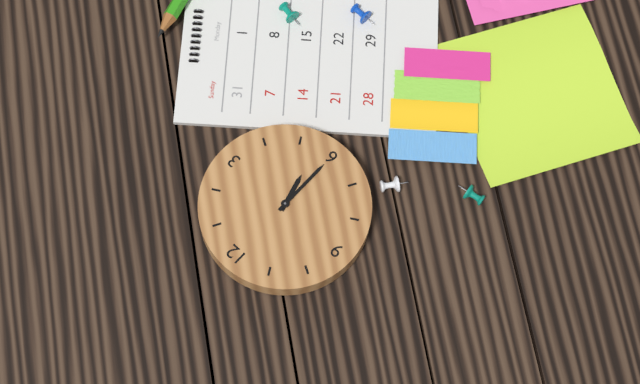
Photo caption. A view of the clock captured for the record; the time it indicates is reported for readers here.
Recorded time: 5:30
